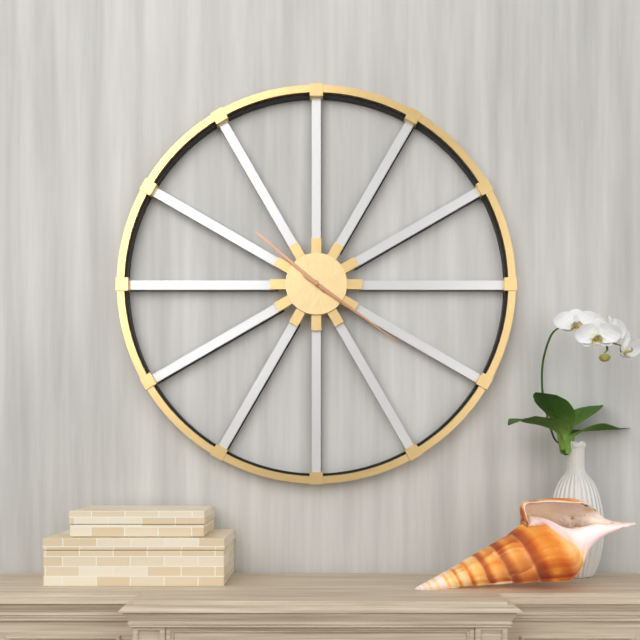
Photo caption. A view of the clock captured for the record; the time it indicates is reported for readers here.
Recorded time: 10:21
